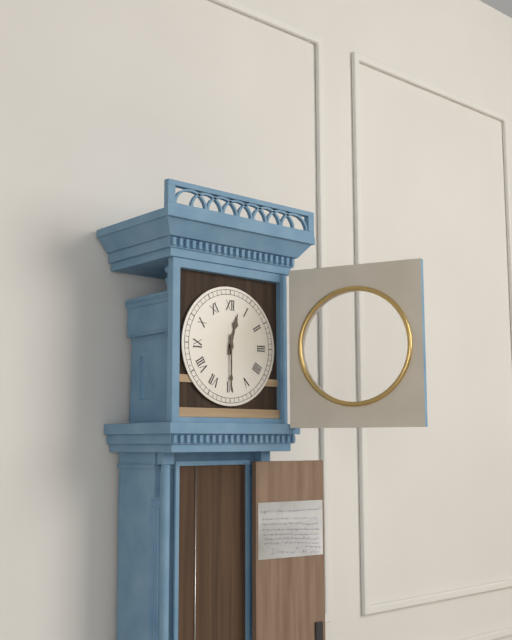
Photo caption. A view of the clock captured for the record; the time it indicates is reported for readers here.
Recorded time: 12:30
